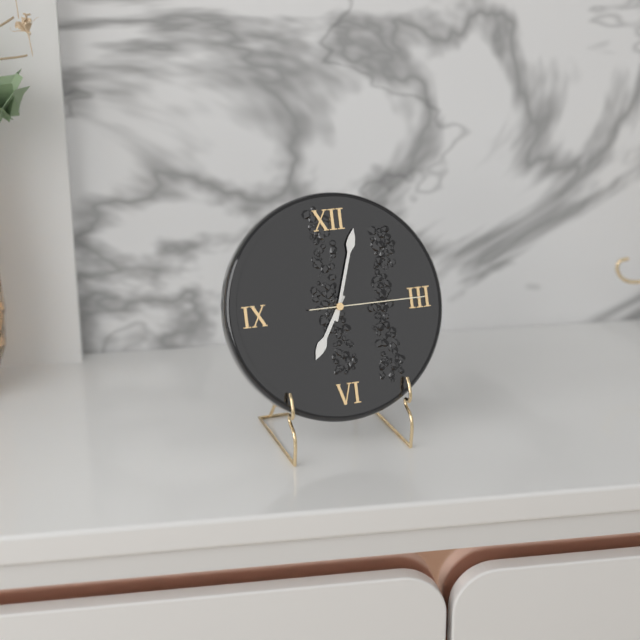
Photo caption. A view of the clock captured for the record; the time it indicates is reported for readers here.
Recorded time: 7:03:15
